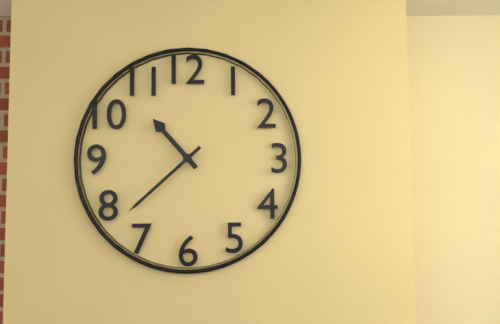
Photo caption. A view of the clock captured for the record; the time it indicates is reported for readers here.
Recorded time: 10:38
